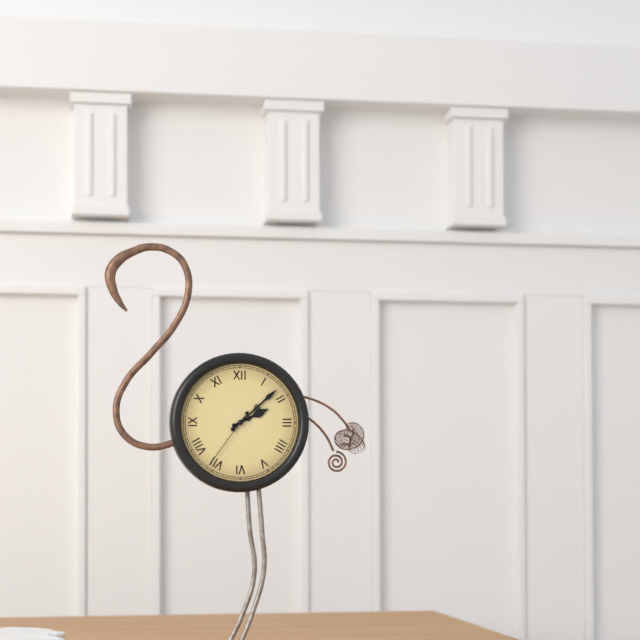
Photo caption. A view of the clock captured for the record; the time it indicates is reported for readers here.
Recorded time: 2:08:36
